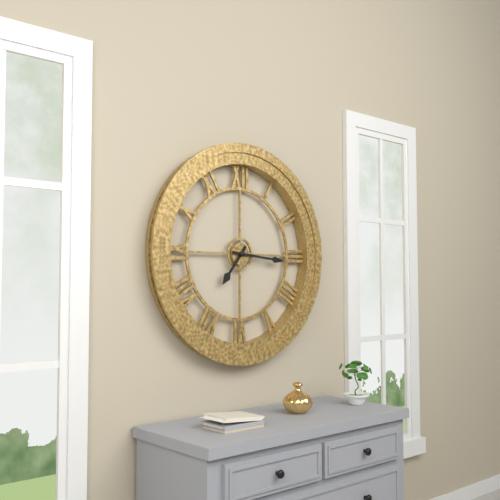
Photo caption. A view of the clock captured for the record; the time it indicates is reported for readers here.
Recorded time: 7:16
